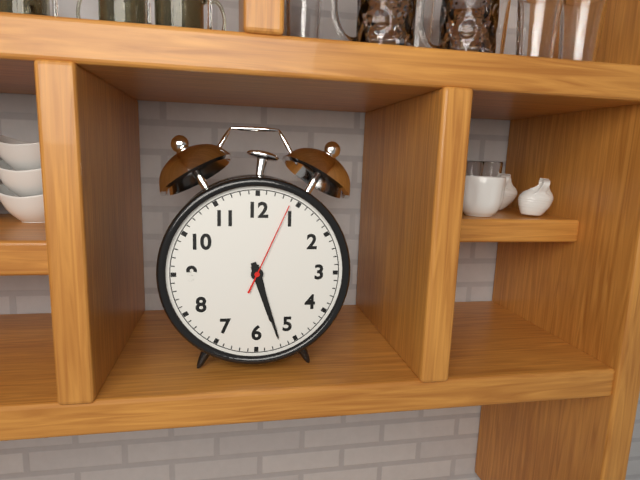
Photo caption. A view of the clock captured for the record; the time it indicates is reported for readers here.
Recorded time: 5:27:04
